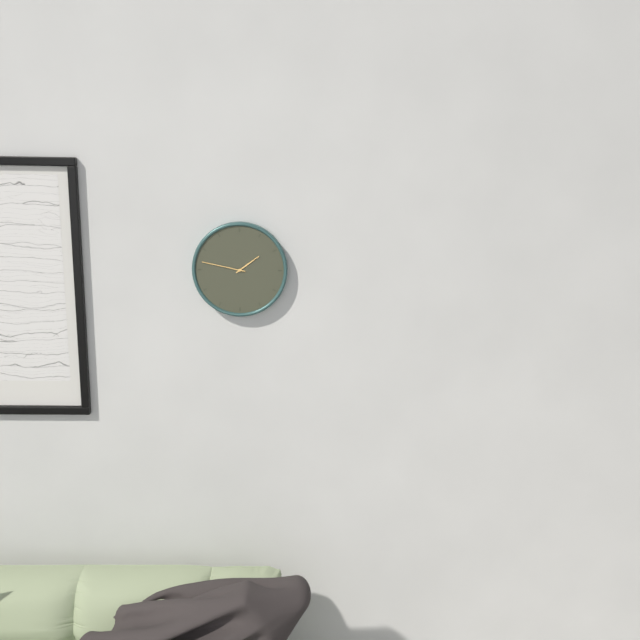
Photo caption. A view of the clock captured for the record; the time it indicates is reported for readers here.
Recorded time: 1:47
